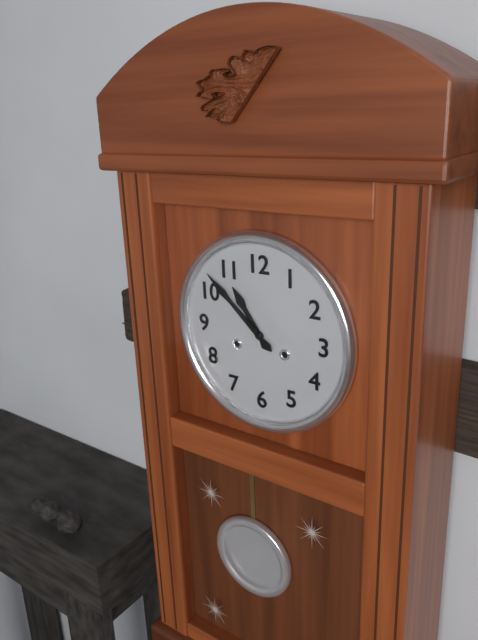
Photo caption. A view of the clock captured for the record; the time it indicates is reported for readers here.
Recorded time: 10:52
